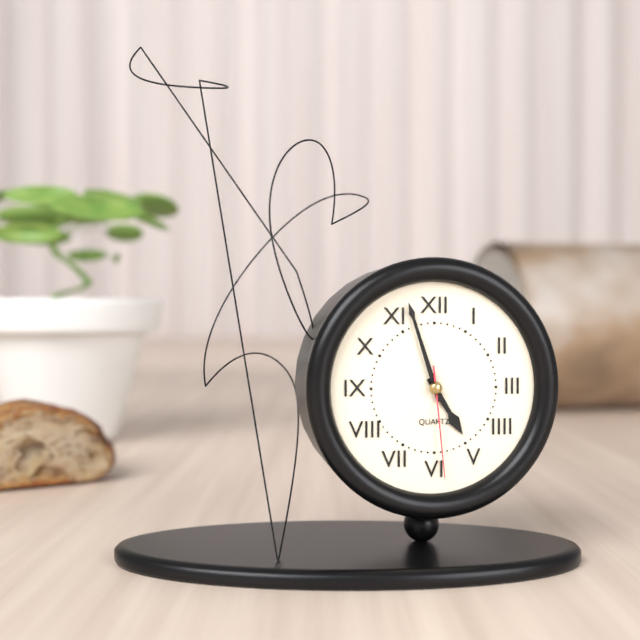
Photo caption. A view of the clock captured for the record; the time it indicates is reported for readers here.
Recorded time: 4:57:29
